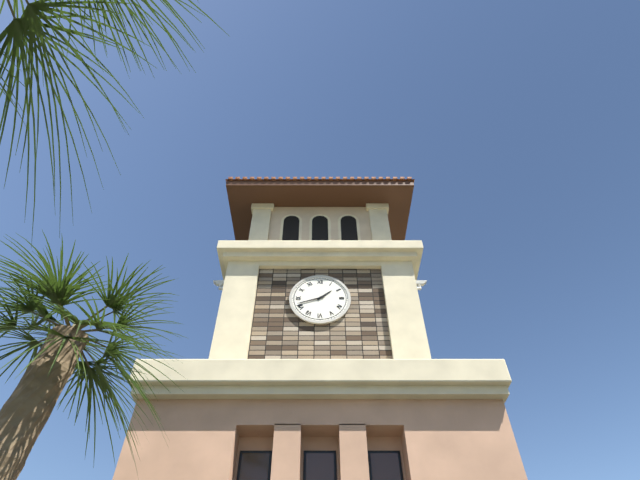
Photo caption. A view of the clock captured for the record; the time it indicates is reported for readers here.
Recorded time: 1:42
